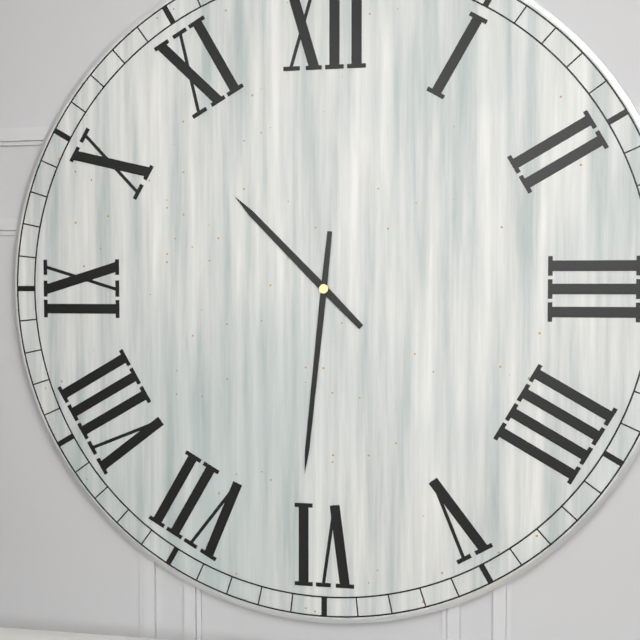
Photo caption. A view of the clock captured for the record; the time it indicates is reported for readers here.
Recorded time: 10:31
